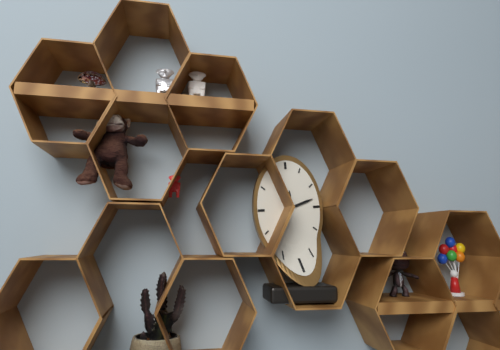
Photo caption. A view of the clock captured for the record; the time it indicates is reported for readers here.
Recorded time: 12:12
